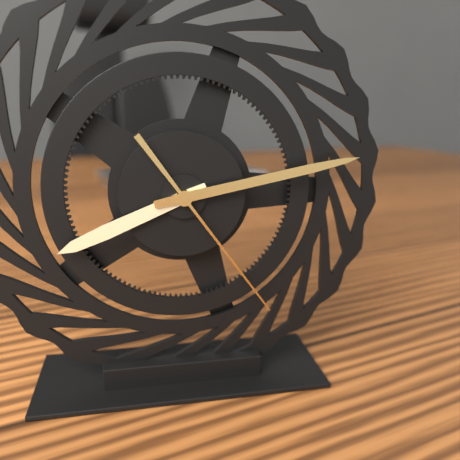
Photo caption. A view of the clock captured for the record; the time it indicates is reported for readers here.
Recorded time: 8:13:24
